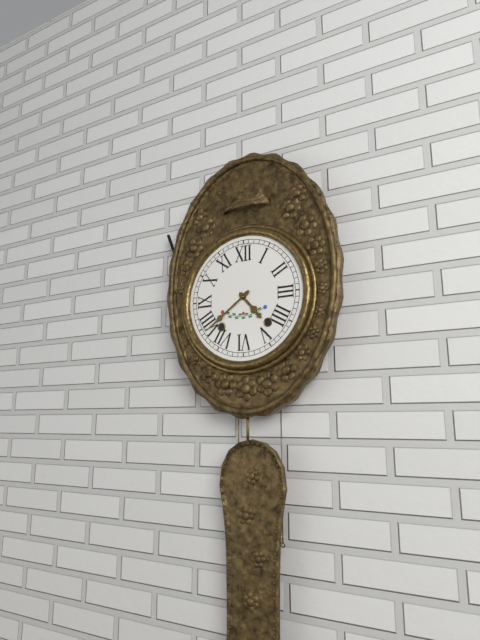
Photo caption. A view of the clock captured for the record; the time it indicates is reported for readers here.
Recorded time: 4:39
